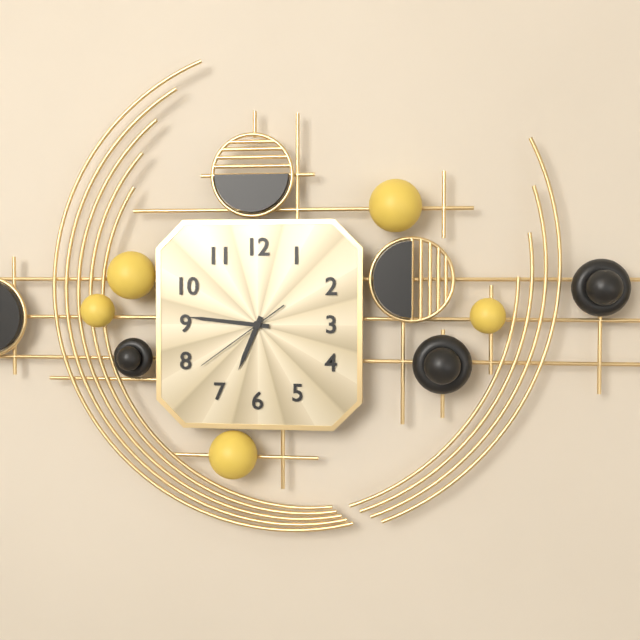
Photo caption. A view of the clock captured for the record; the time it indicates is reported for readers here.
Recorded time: 6:46:39
